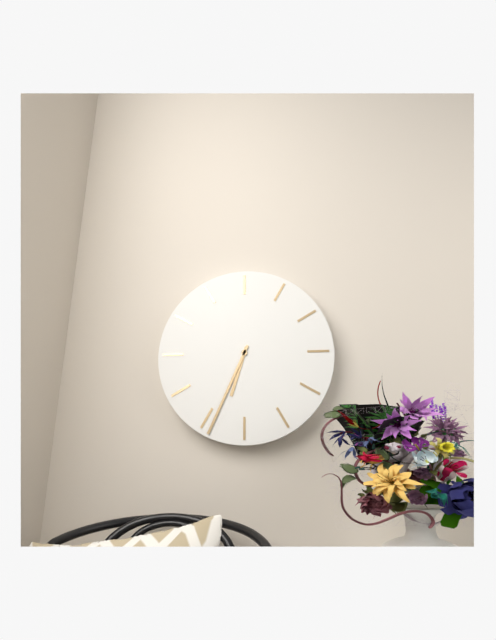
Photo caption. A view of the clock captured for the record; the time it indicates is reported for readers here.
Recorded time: 6:34
